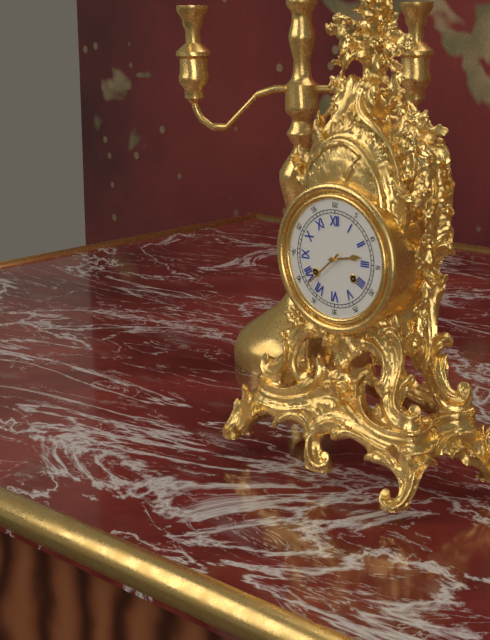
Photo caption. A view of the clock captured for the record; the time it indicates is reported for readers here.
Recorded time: 2:38
